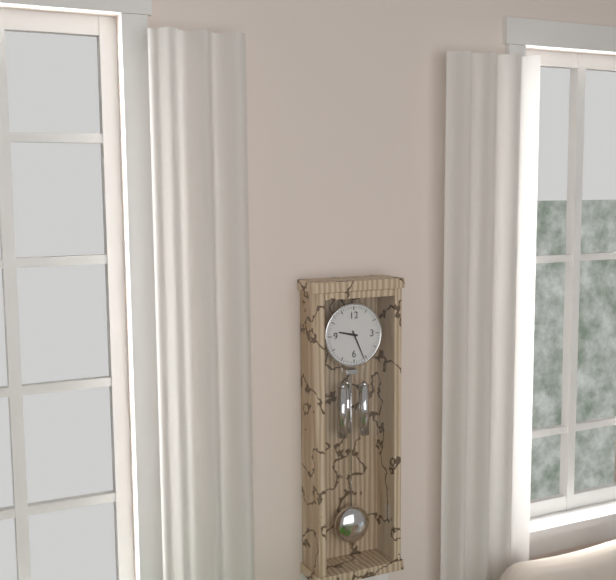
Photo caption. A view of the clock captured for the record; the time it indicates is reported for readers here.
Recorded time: 9:26
